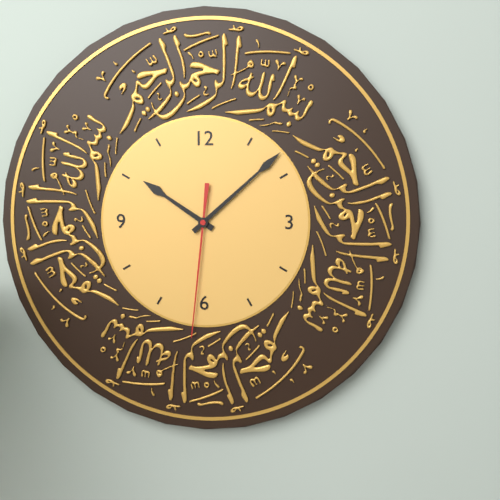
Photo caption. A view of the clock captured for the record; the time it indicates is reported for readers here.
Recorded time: 10:08:31
